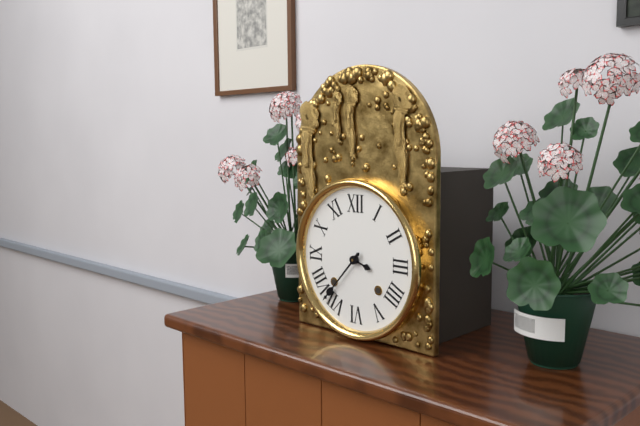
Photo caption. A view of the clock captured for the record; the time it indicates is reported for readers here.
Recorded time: 3:37
